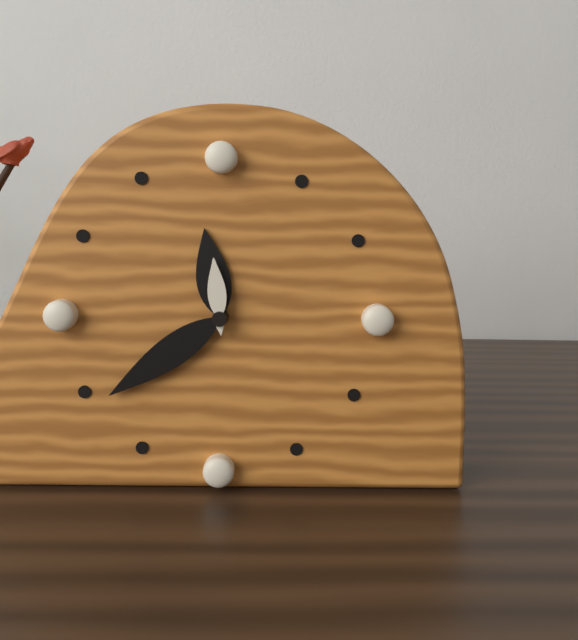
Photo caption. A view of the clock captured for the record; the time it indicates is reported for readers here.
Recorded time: 11:39:59
